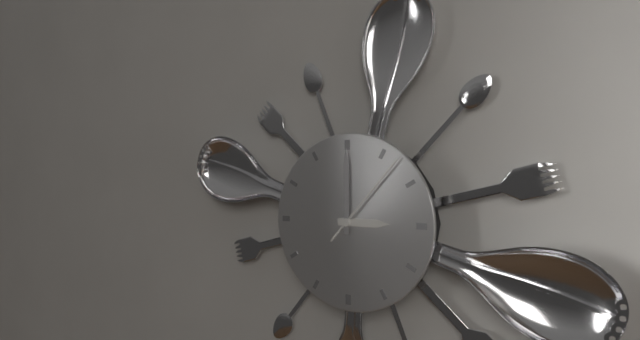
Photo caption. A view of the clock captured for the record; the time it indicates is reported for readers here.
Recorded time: 3:00:07
